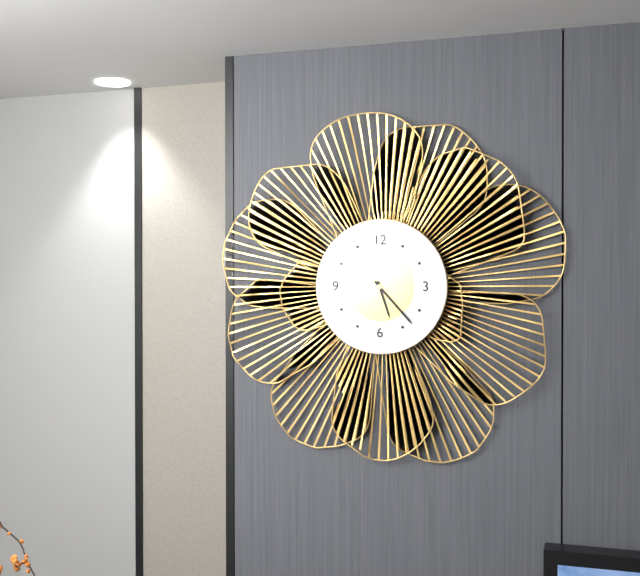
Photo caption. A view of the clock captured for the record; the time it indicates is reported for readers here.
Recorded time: 5:23:48
